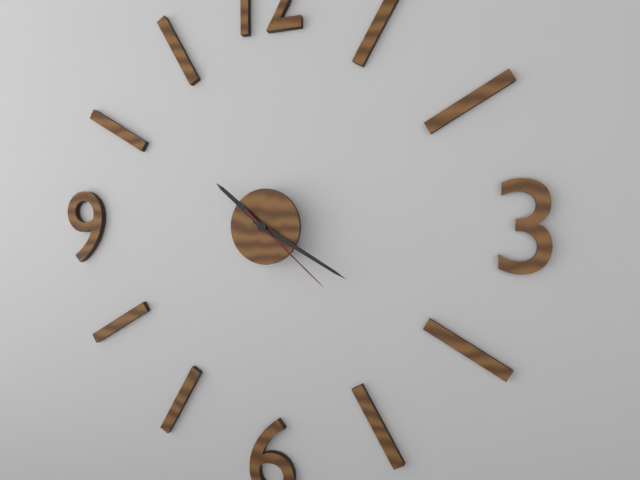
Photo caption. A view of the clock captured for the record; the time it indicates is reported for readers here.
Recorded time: 10:20:22
